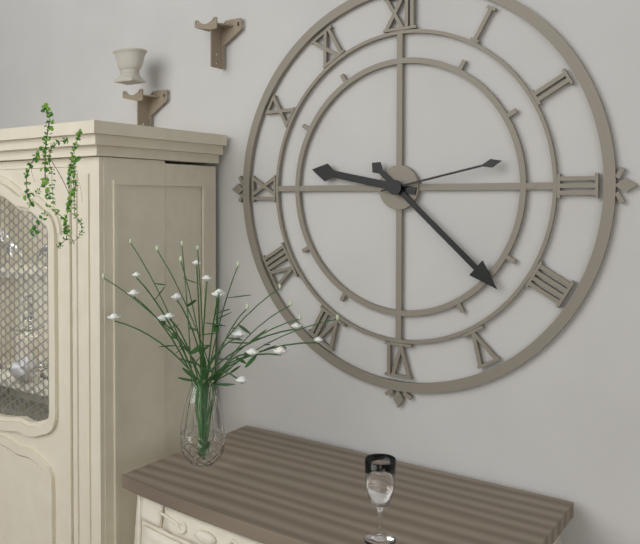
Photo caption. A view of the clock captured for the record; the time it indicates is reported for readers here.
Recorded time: 9:22:13
